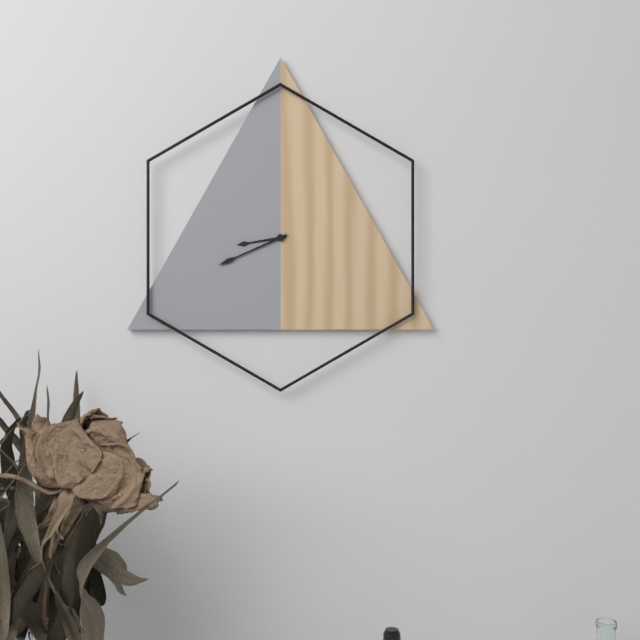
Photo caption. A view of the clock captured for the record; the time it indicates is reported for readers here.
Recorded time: 8:41
